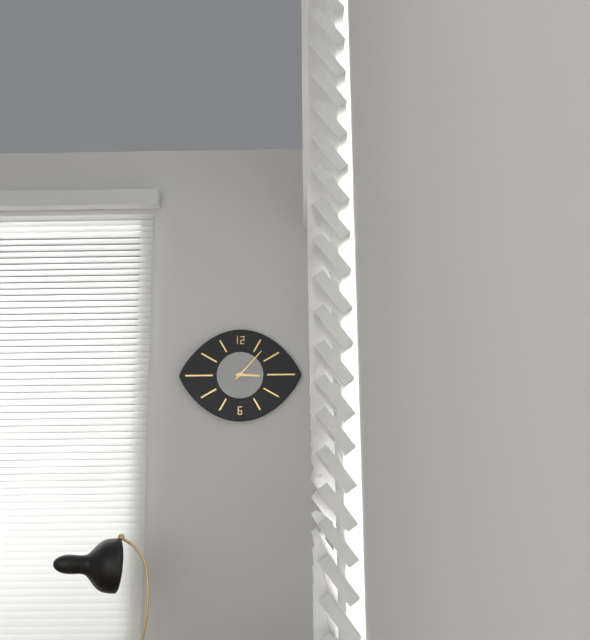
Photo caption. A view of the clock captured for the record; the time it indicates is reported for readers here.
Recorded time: 3:07
